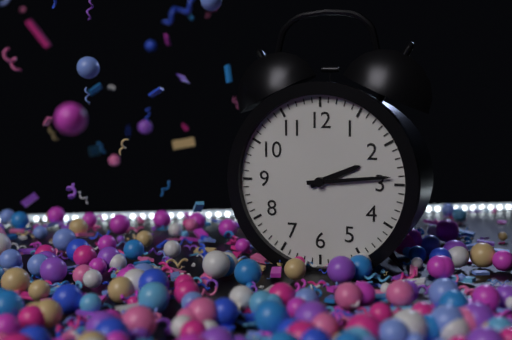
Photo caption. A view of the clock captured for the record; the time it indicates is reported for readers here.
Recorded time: 2:14
